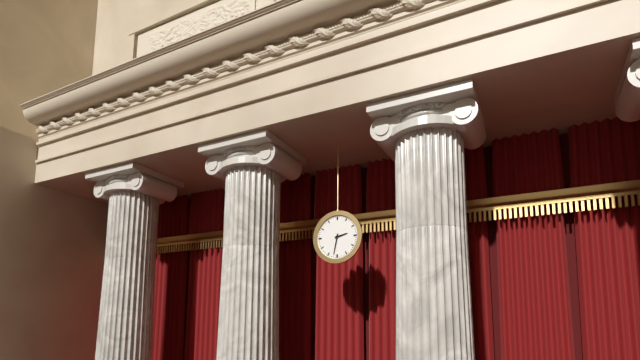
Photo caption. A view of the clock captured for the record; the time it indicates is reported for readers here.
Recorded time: 2:32
